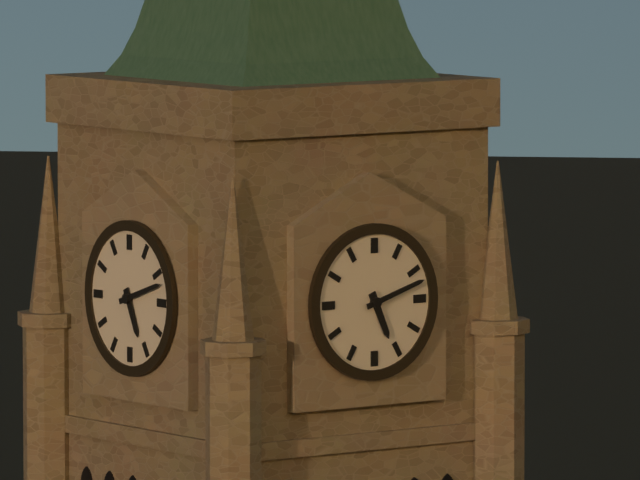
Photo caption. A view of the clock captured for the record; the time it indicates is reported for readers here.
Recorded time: 5:12
